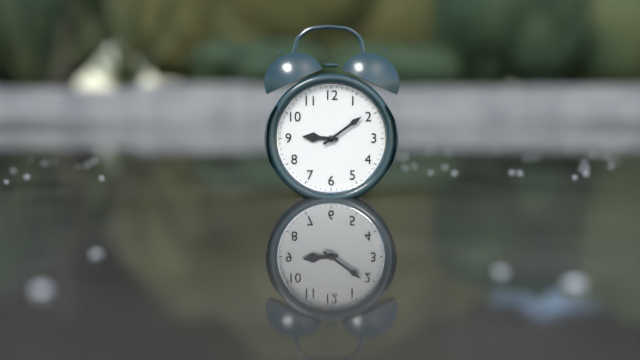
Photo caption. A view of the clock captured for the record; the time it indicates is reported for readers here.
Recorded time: 9:09
